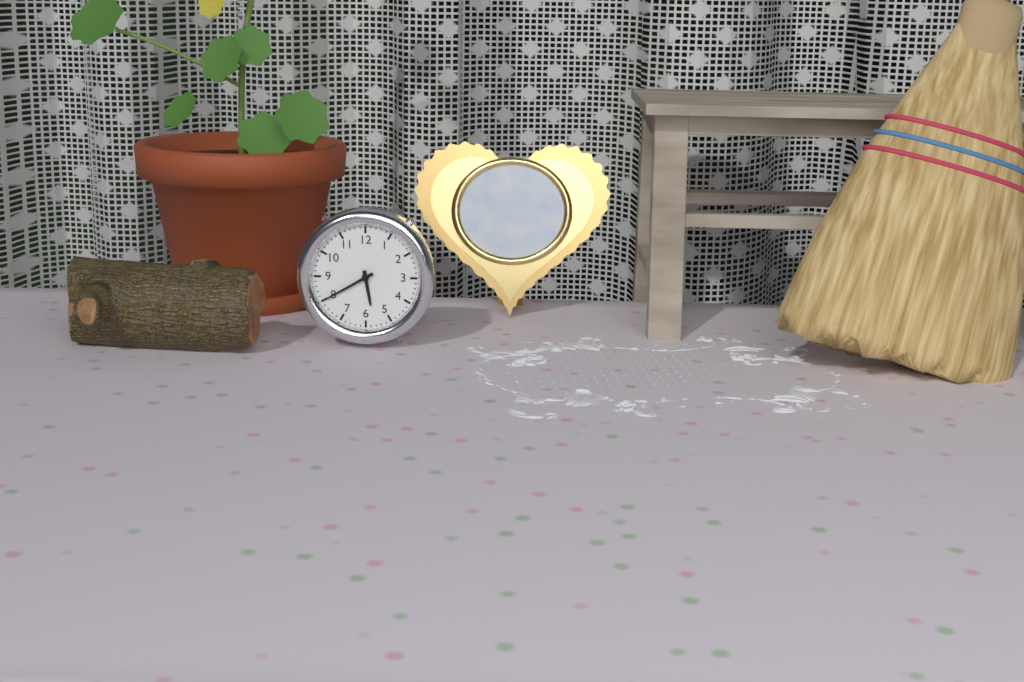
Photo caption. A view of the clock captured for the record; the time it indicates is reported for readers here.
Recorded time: 5:40
